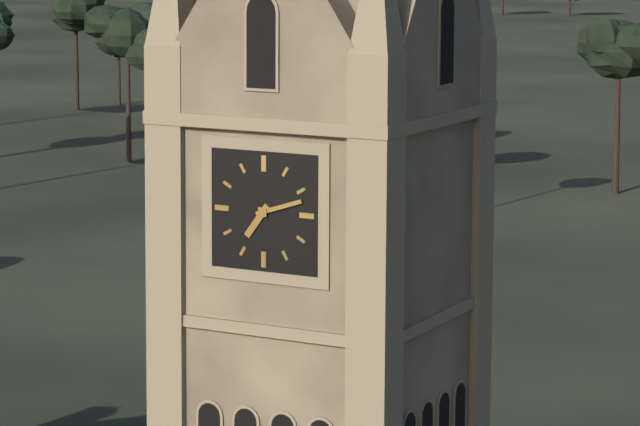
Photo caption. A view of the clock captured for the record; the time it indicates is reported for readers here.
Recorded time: 7:12
